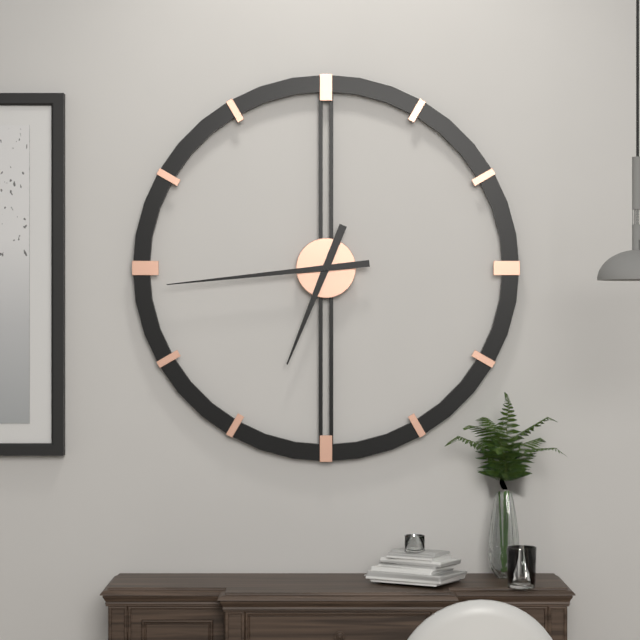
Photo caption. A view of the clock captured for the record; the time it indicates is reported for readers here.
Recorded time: 6:44
